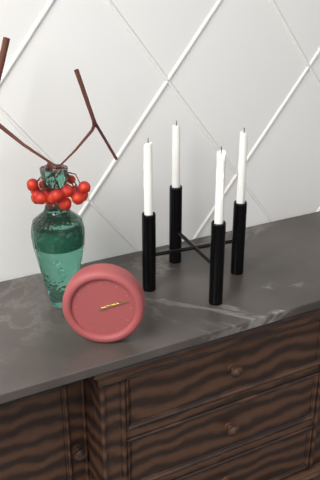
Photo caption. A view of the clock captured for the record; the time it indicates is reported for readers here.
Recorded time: 2:12
